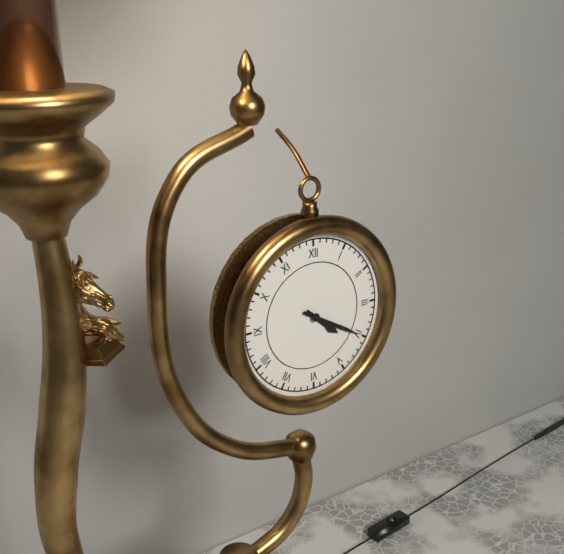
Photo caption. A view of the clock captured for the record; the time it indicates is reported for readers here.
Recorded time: 4:20
